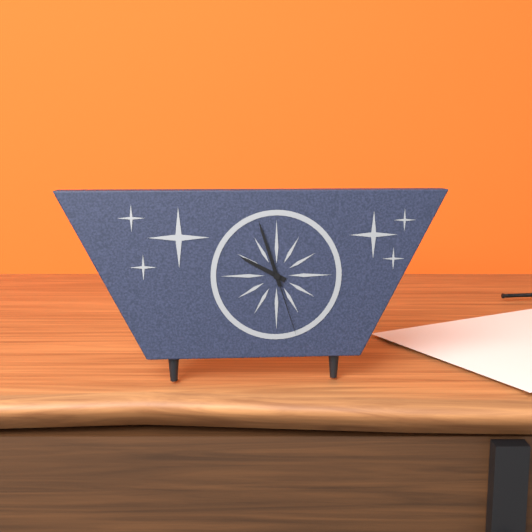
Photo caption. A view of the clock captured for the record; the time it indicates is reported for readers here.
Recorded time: 9:57:27
